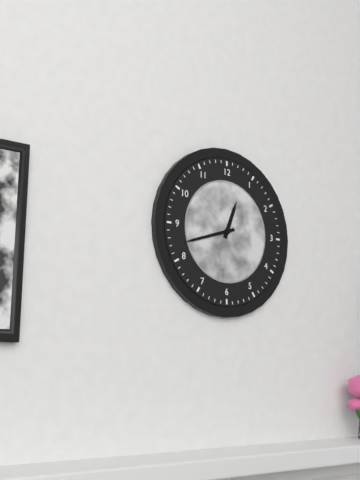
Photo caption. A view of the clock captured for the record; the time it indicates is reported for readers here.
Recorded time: 12:42
